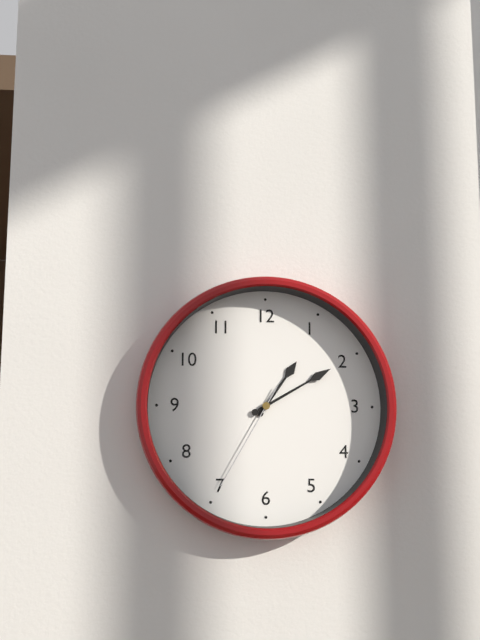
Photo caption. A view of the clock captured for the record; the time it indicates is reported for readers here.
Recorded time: 1:10:35
